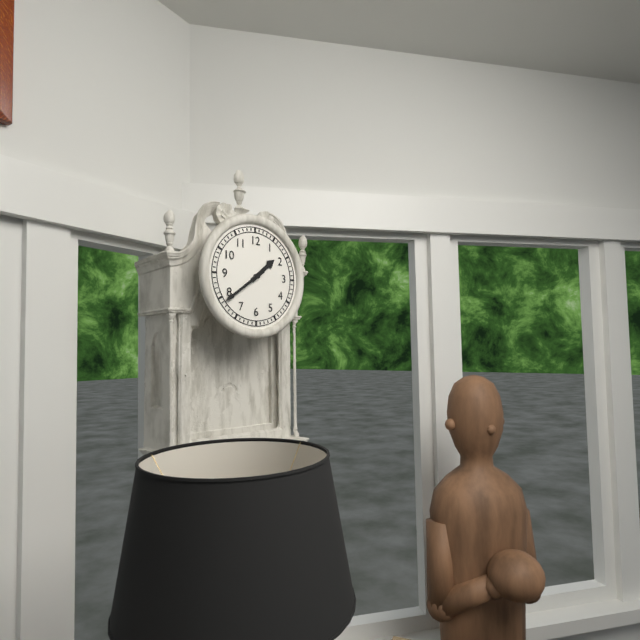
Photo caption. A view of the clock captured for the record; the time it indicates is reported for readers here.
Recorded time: 1:39
